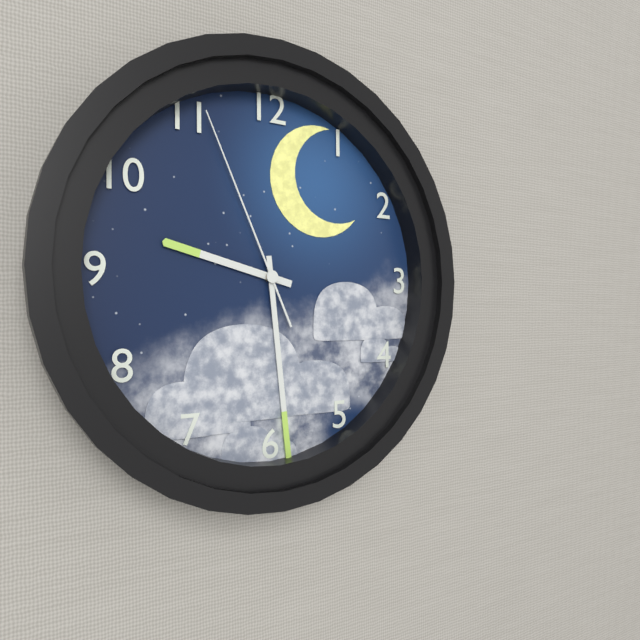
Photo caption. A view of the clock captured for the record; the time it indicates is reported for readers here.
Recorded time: 9:29:56
